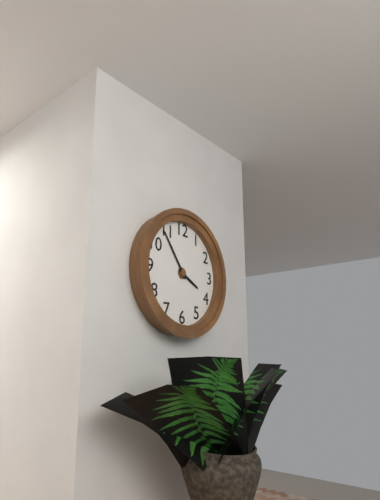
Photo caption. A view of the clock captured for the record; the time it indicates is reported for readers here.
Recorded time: 3:54
